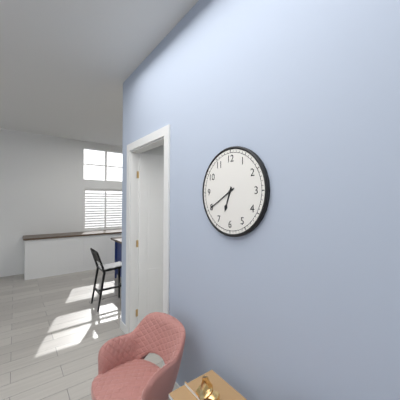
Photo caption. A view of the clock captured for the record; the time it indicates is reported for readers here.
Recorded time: 6:40
